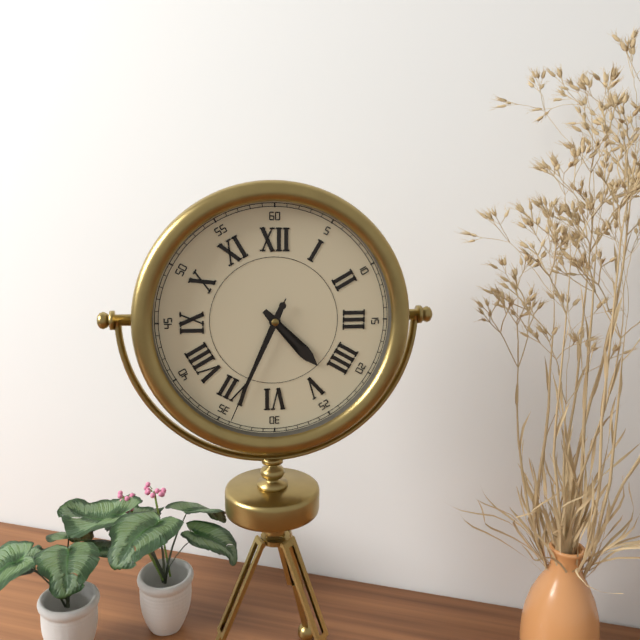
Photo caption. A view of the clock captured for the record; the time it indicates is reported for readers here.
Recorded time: 4:34:34
